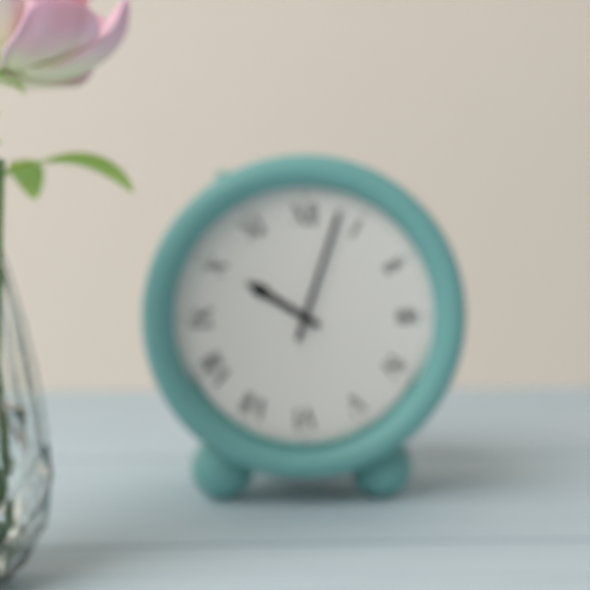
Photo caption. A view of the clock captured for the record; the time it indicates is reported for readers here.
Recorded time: 10:03
